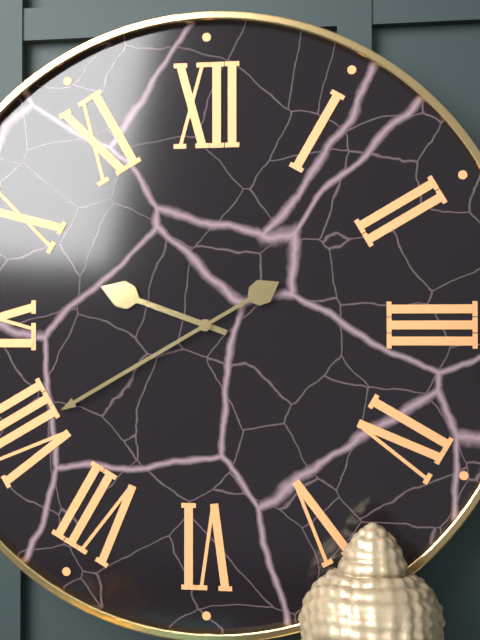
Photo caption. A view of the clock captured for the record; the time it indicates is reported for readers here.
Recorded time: 9:40
